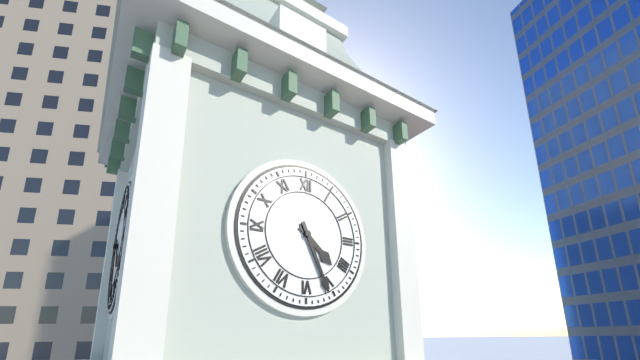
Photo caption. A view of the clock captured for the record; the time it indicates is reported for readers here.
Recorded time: 4:26
